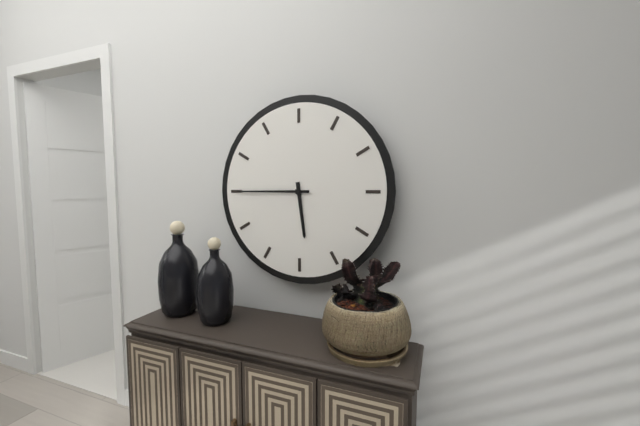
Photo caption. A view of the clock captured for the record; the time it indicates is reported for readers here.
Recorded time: 5:45
